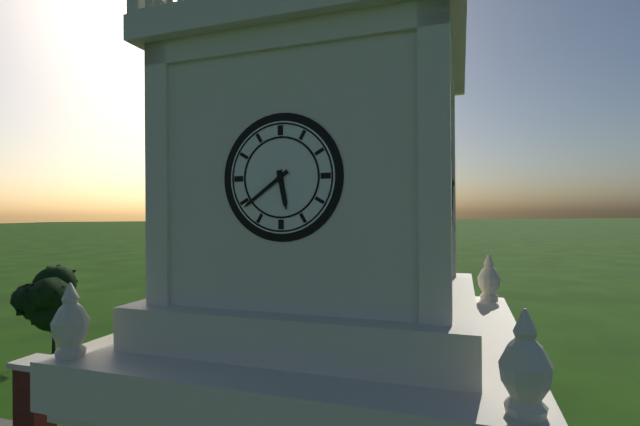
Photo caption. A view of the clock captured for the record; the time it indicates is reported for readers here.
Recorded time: 5:39
